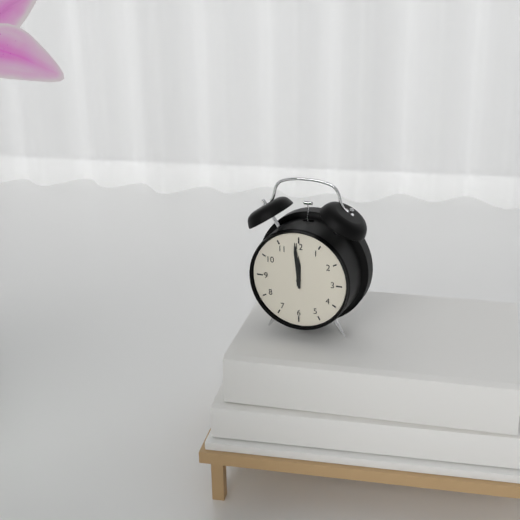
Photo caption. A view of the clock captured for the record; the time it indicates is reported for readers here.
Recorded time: 11:59
